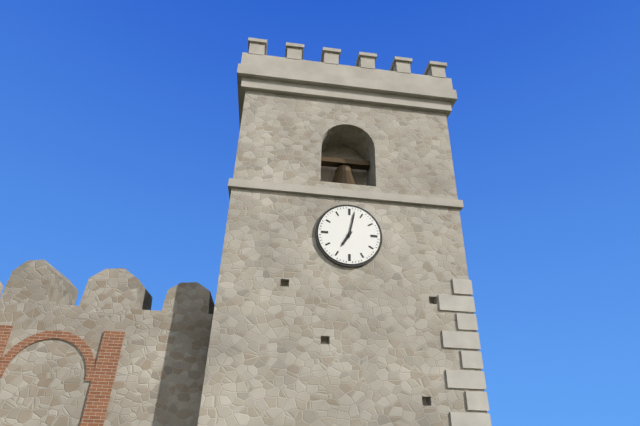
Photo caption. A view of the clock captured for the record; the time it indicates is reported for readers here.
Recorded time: 7:02
